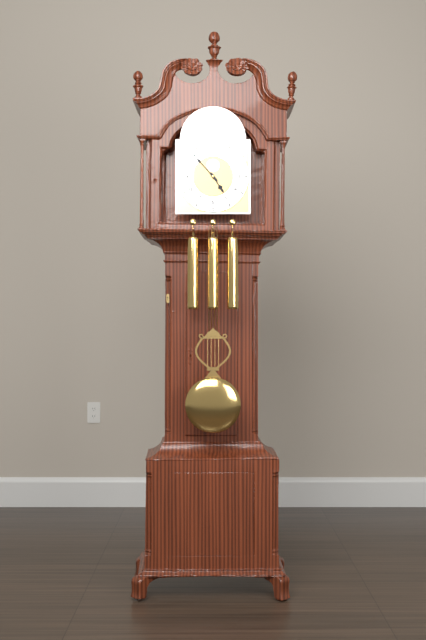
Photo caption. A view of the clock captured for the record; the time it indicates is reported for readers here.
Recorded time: 4:53
